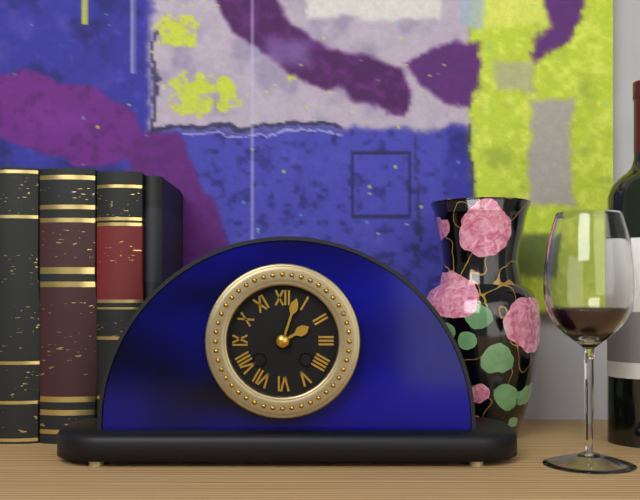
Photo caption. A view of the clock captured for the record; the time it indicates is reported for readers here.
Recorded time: 2:03
